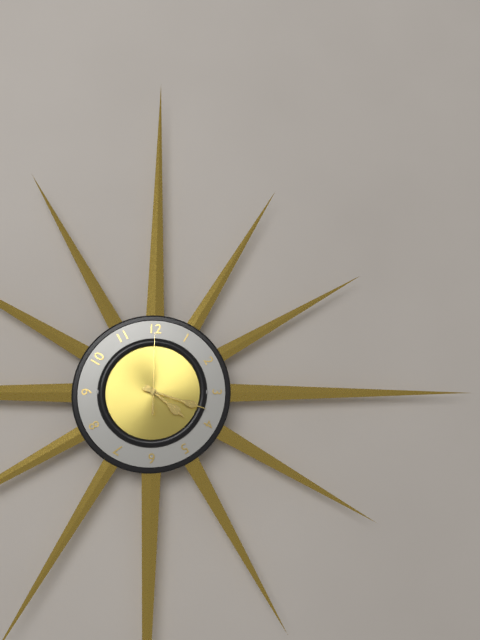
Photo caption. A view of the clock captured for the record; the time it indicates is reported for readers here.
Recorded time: 4:18:00
